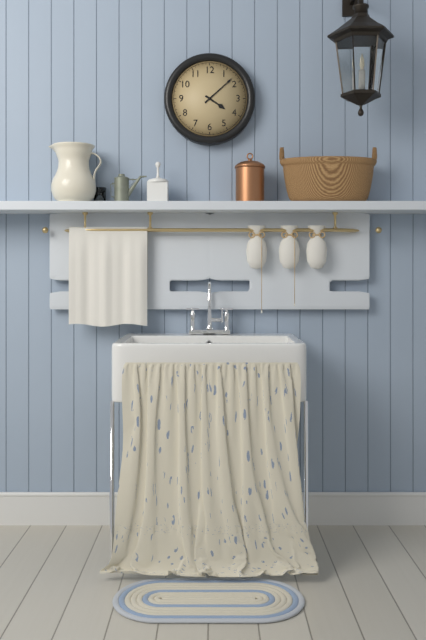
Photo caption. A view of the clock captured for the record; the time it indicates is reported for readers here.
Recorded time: 4:08
